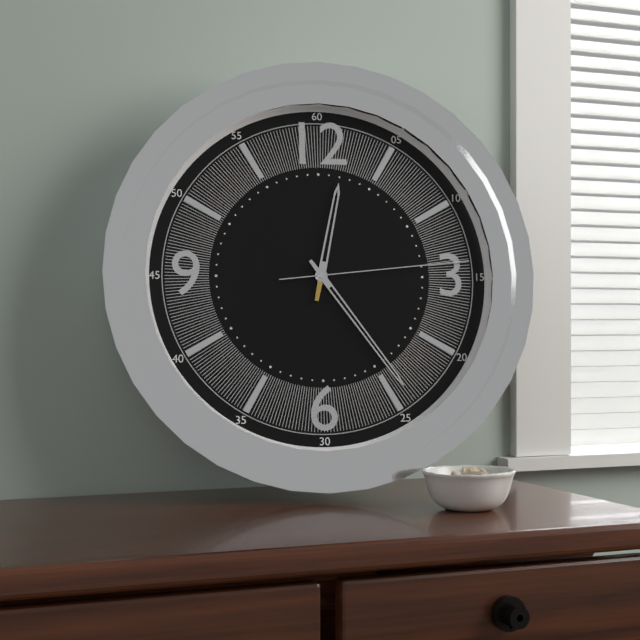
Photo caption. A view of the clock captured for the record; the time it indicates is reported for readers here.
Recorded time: 12:24:14
